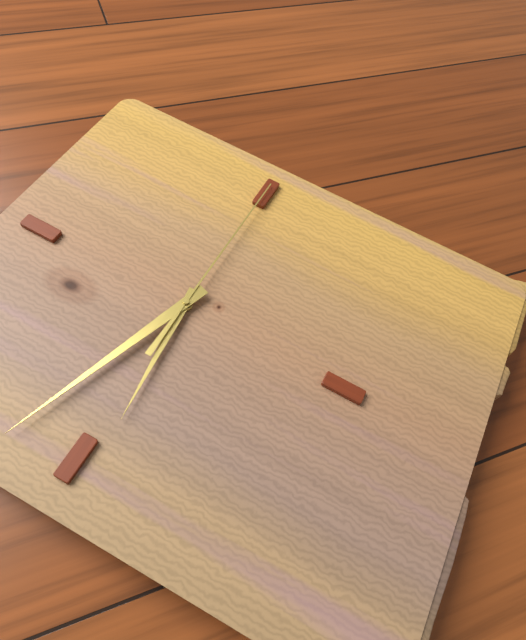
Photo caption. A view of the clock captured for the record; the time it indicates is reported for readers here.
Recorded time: 8:48:15
